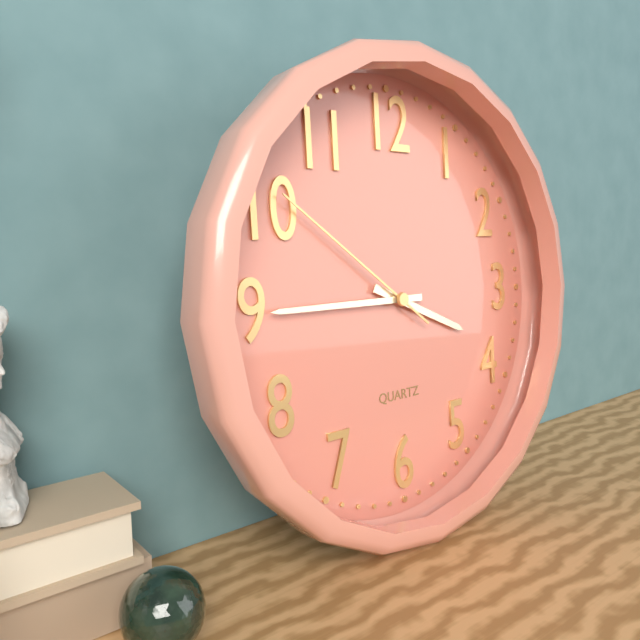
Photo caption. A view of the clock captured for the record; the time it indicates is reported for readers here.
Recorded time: 3:45:51
